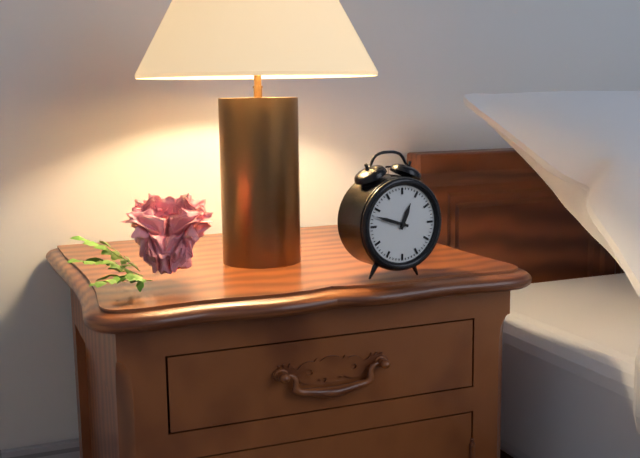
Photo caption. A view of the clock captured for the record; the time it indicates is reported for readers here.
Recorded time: 12:48
